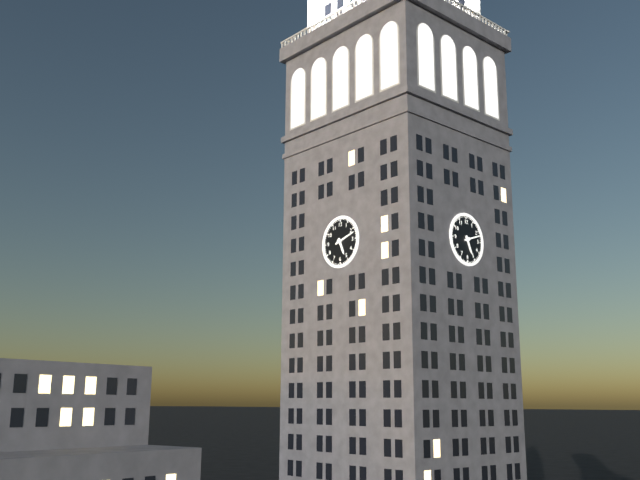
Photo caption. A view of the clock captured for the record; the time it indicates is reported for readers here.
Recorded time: 5:12
